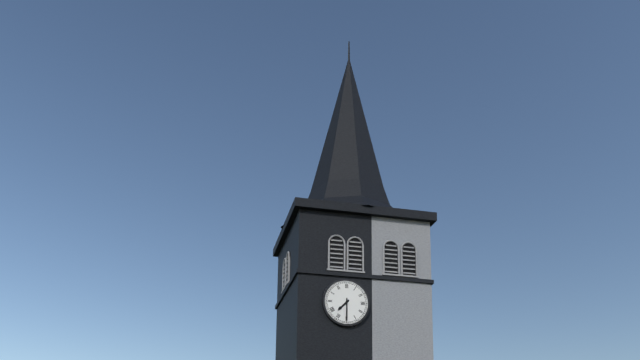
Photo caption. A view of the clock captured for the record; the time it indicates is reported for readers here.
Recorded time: 7:30
